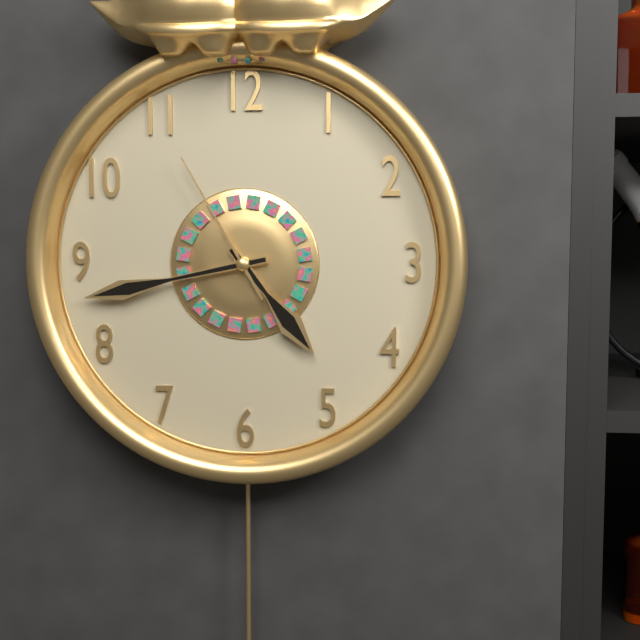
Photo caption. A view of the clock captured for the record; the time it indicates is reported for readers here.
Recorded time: 4:43:55
